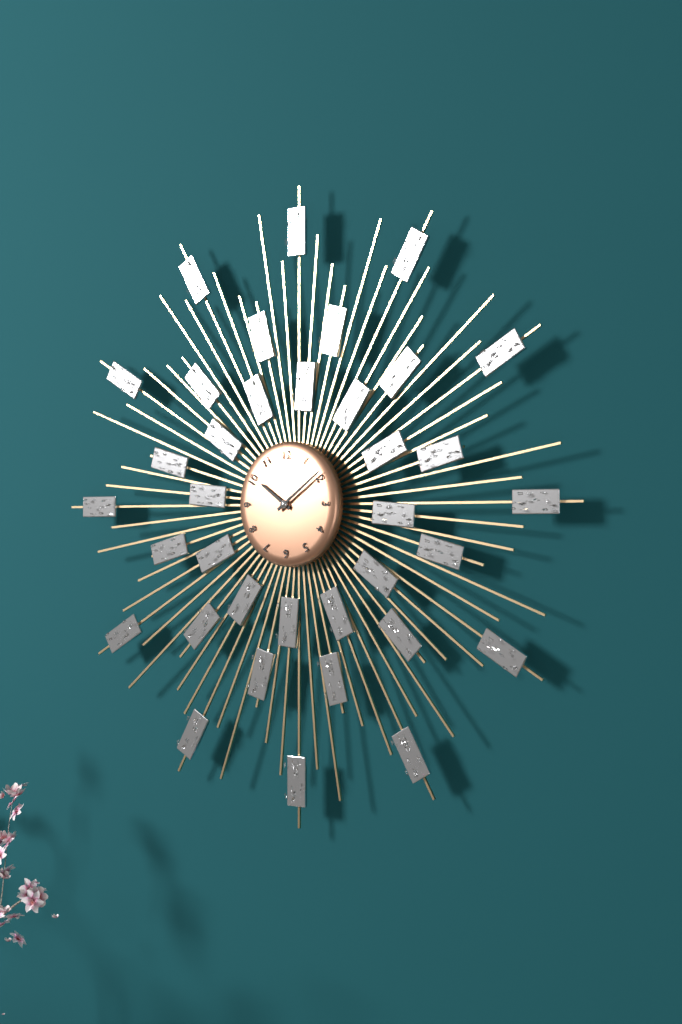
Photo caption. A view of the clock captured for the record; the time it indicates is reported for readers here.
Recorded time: 10:09
